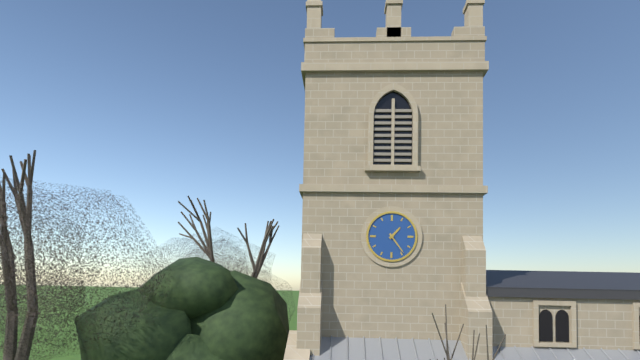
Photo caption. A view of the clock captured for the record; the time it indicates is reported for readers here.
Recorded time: 1:24
